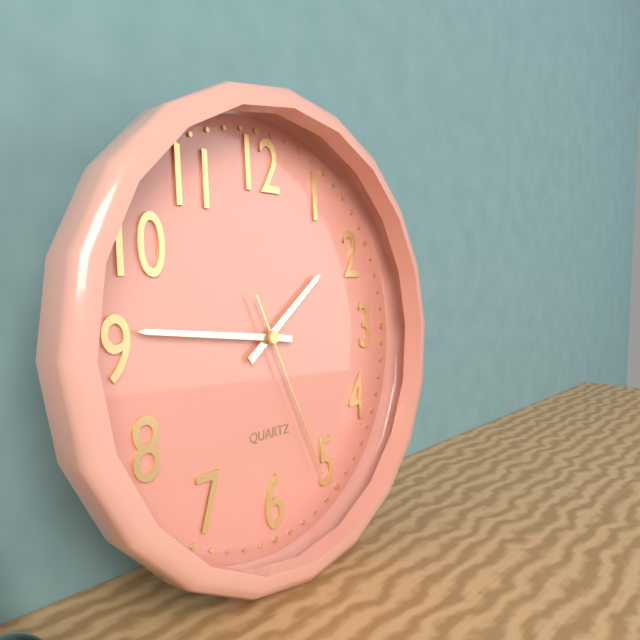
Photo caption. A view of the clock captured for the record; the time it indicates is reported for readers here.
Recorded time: 1:46:26
